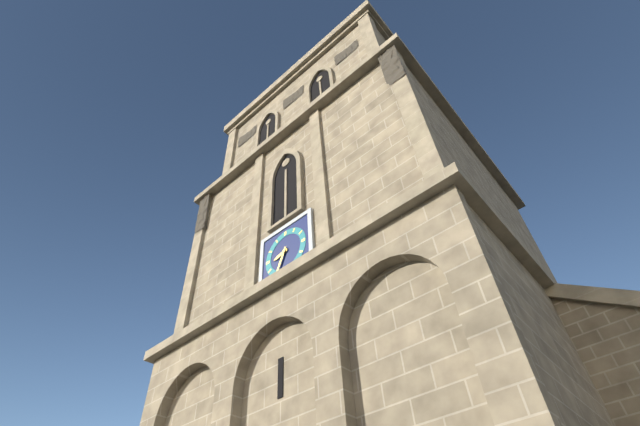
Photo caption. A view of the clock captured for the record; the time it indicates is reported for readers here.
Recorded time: 8:34
